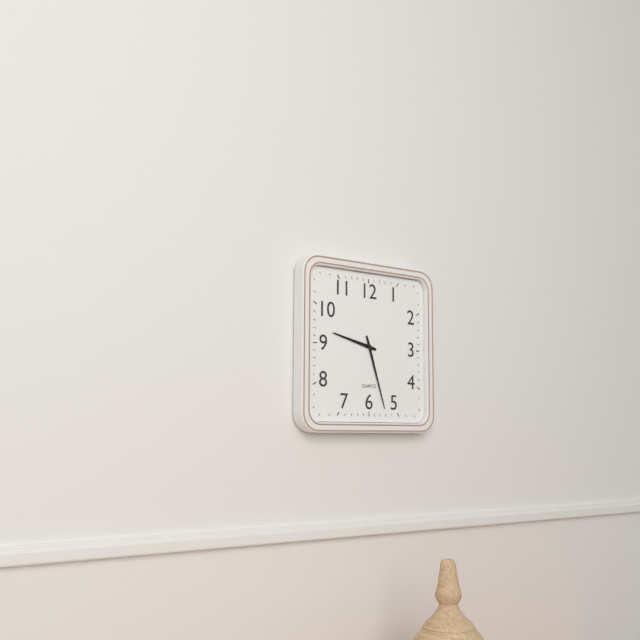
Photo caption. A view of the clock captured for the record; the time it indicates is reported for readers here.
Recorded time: 9:27
